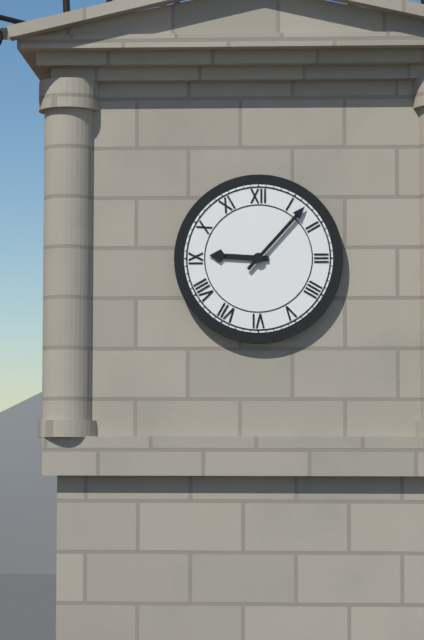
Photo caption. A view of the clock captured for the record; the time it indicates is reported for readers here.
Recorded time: 9:07
